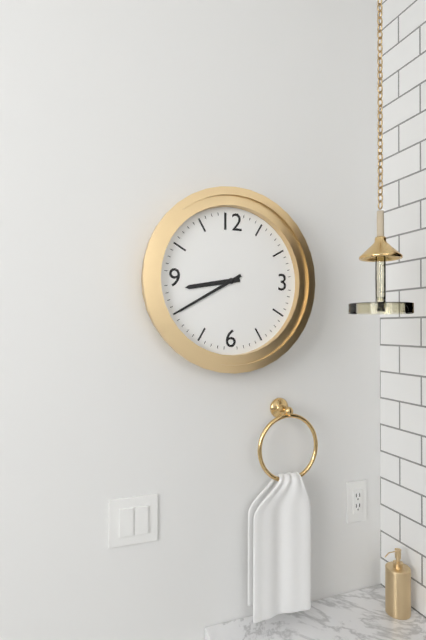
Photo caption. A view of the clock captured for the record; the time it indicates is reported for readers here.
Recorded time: 8:40
